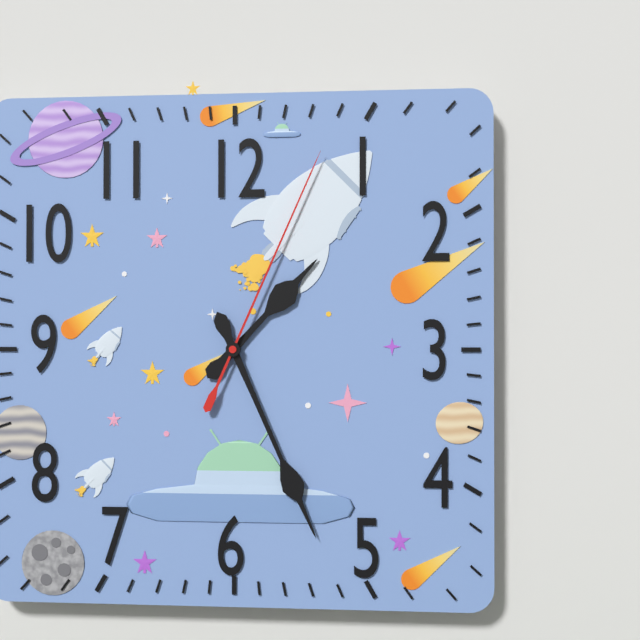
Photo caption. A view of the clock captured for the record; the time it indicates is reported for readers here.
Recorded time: 1:26:04
